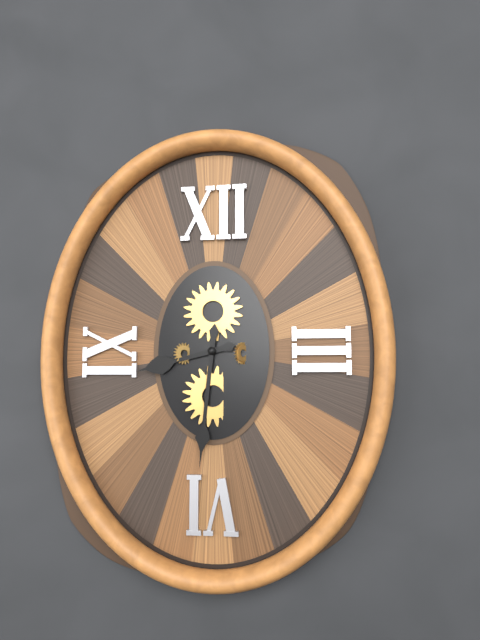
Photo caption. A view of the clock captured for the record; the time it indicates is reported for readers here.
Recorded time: 8:31
